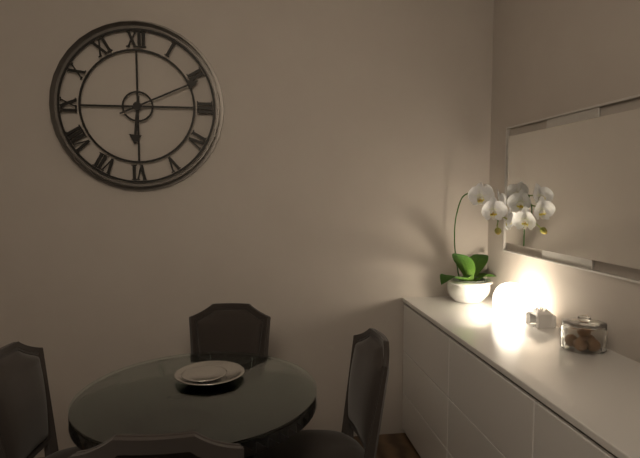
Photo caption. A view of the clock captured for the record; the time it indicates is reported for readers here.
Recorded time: 6:11
